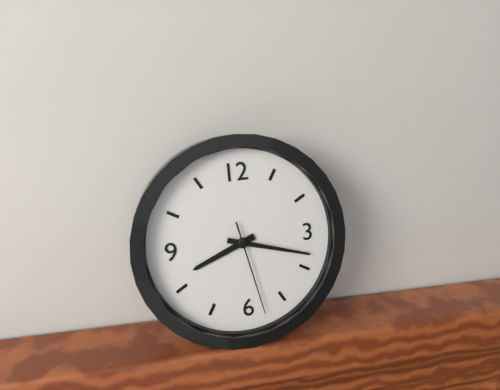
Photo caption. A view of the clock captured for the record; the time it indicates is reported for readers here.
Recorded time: 8:18:28
